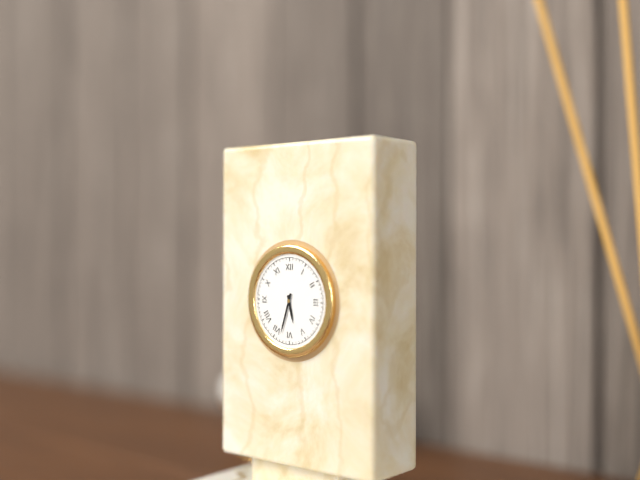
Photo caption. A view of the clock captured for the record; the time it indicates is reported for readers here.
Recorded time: 5:33
